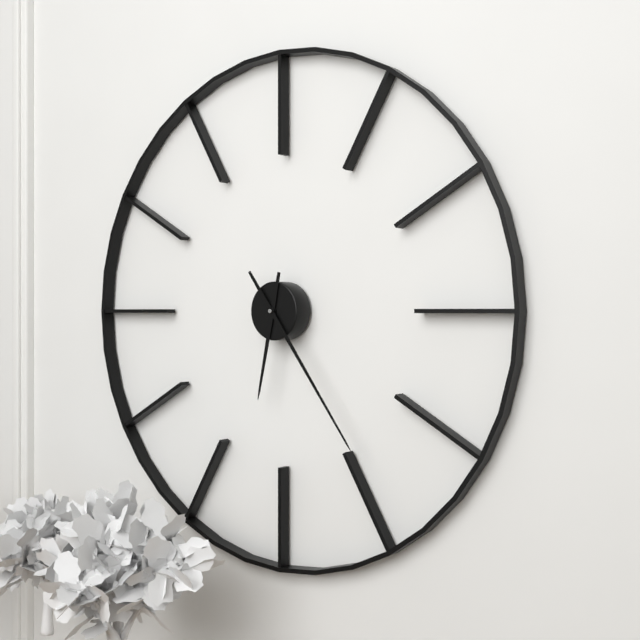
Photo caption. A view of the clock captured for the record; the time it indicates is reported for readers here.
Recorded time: 6:24
